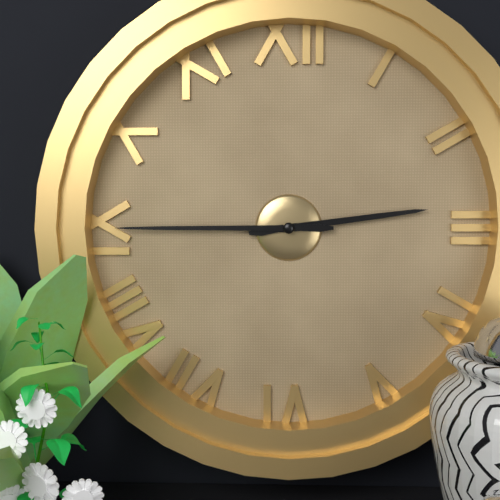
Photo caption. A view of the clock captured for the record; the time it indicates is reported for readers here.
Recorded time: 2:45
